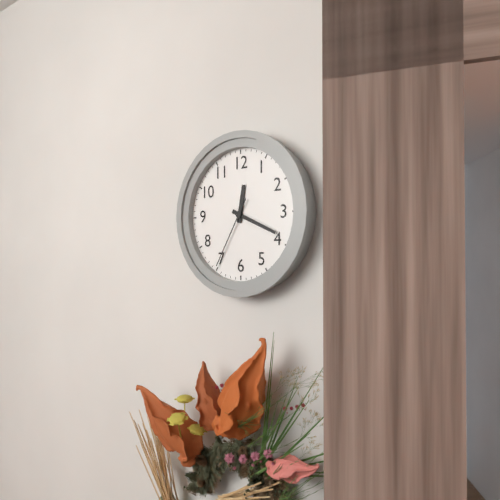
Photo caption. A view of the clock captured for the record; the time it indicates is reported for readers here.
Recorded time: 12:19:35
